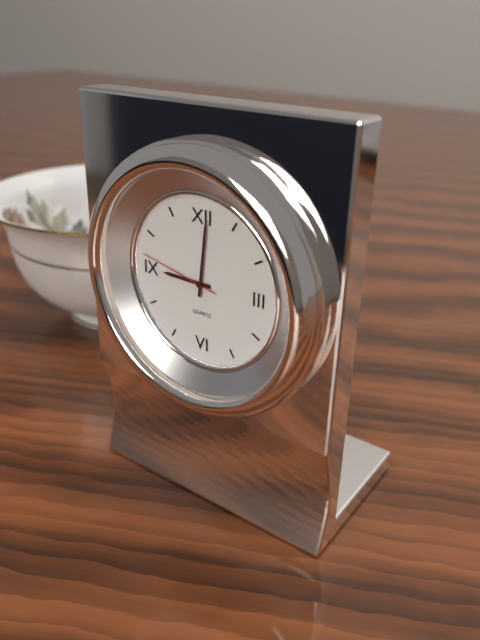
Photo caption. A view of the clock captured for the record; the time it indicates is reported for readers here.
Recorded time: 9:01:47
